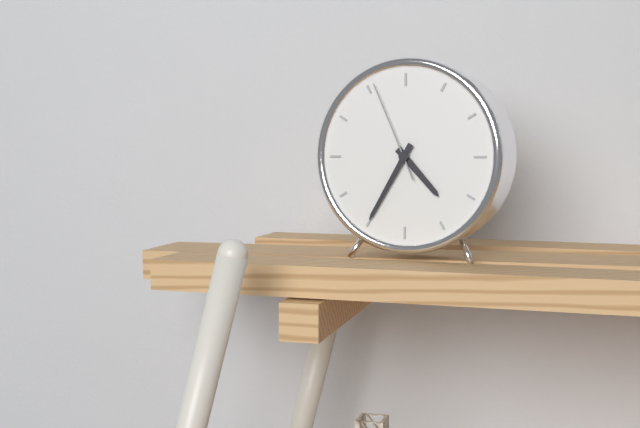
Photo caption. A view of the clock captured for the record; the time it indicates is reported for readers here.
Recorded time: 4:35:56
